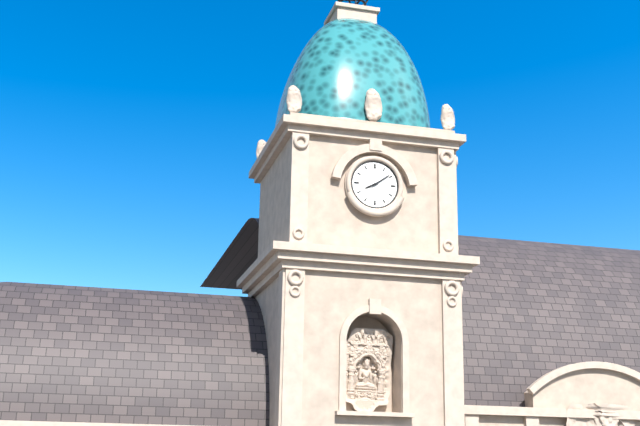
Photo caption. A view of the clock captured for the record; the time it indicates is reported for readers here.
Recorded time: 8:09
